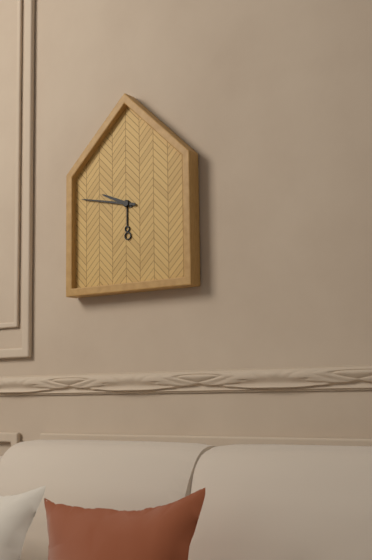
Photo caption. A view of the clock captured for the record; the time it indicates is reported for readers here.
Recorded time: 9:47
